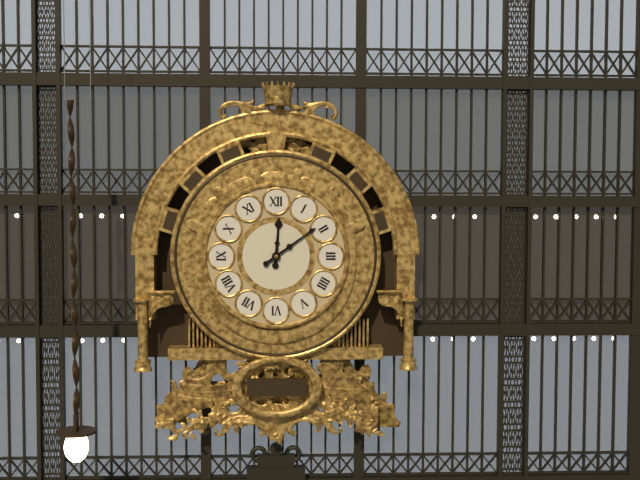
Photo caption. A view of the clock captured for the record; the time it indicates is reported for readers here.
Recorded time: 12:09
